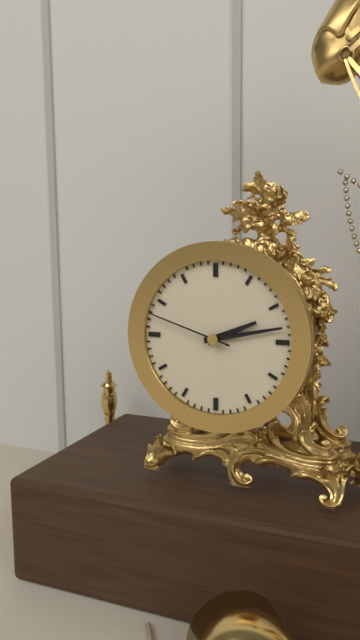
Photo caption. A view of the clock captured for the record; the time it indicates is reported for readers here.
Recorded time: 2:13:48
